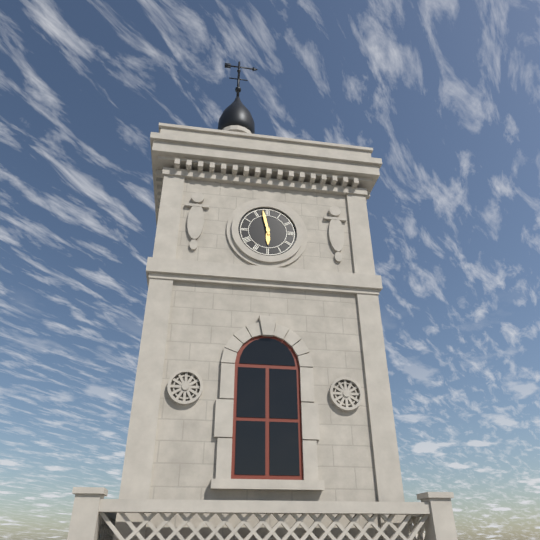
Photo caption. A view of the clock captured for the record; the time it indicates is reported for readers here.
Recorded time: 5:58
